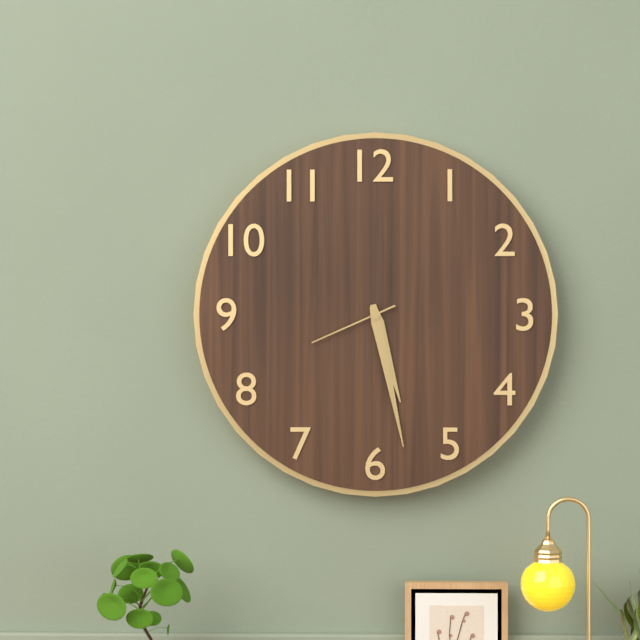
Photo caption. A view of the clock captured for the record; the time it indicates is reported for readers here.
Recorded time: 5:28:41
